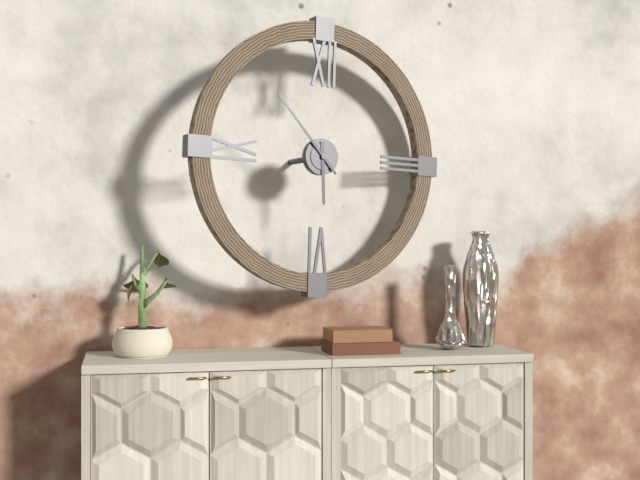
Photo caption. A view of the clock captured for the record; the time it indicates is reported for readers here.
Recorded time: 5:53
